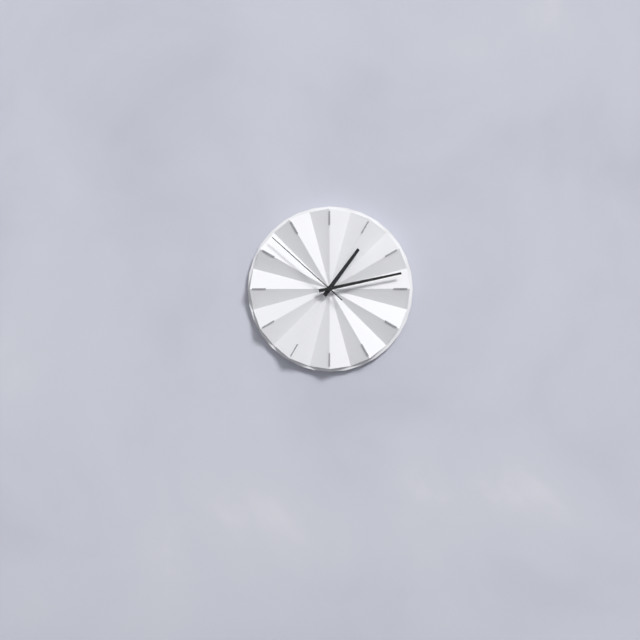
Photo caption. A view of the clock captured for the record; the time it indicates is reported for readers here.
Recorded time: 1:13:52
